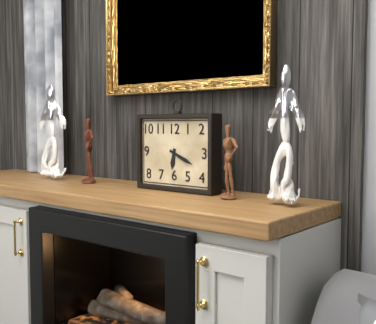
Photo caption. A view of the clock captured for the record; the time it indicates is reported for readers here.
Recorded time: 6:19
